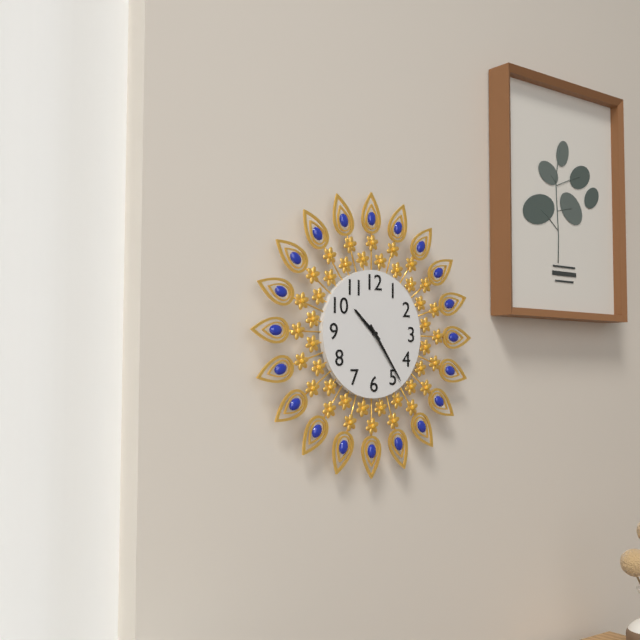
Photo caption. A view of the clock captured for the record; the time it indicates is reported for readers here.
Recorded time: 10:24
